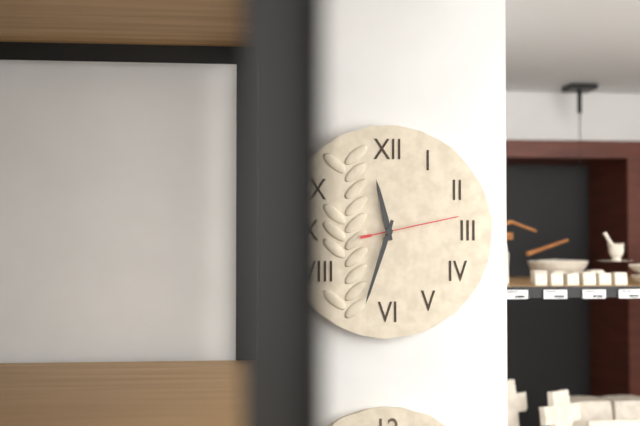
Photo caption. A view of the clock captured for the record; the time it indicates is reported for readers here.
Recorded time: 11:33:13
